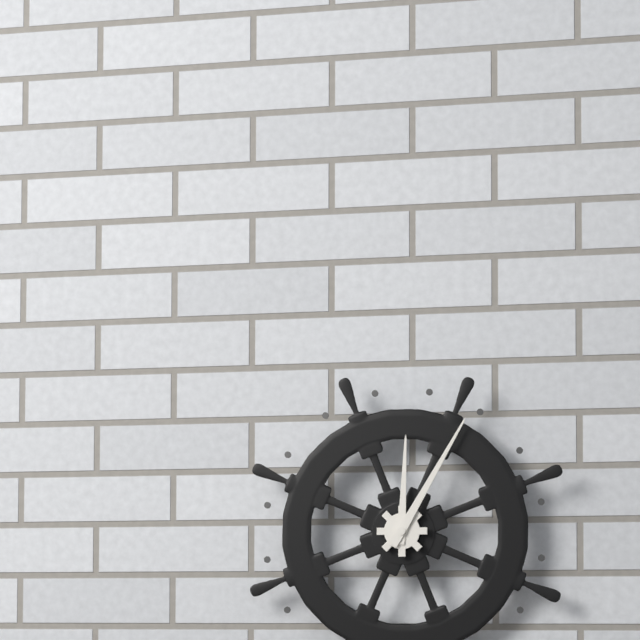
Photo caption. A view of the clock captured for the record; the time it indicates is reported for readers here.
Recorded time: 12:05
